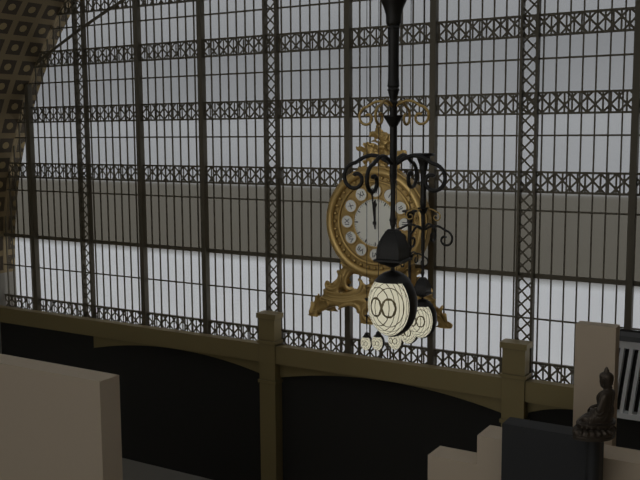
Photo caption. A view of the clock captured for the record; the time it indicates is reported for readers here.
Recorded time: 11:59
